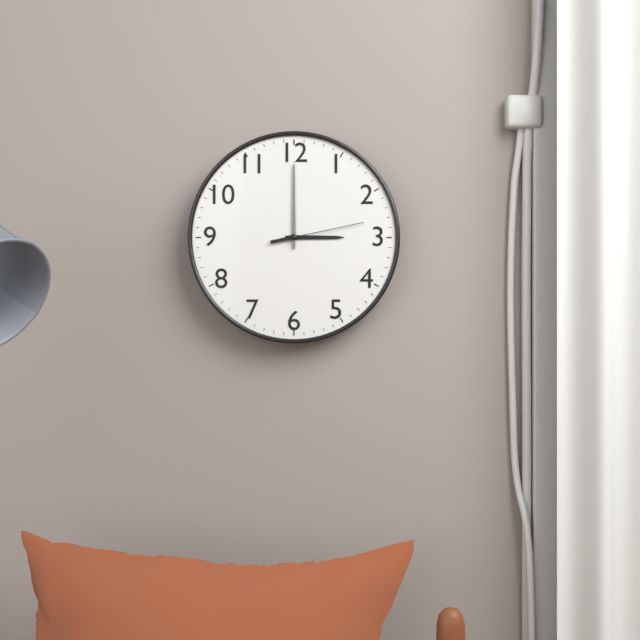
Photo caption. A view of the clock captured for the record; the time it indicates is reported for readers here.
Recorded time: 3:00:13
